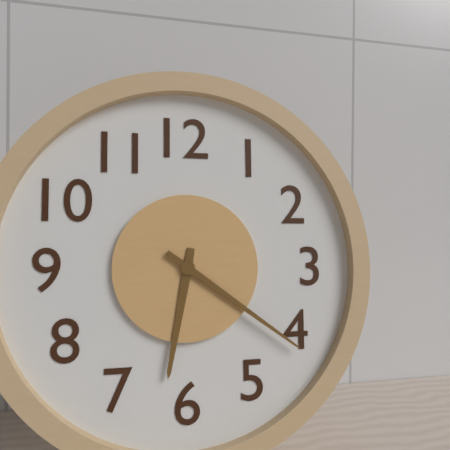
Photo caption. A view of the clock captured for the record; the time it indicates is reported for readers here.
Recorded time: 6:21
